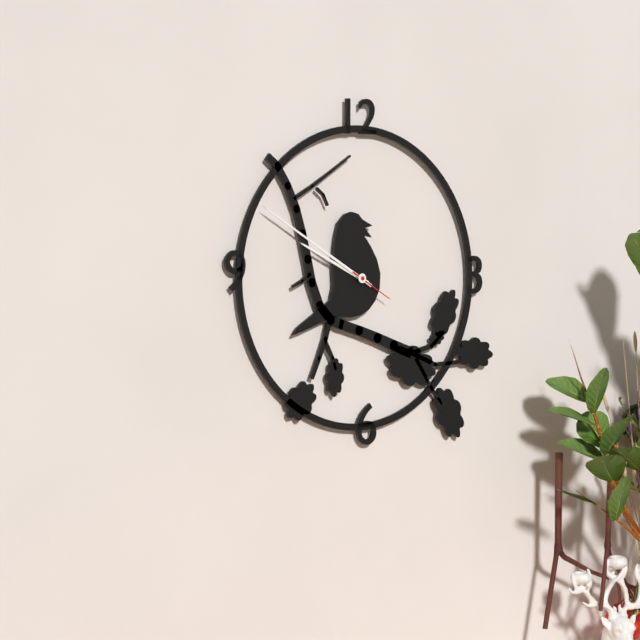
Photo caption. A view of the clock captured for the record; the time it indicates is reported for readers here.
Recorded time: 9:50:20
